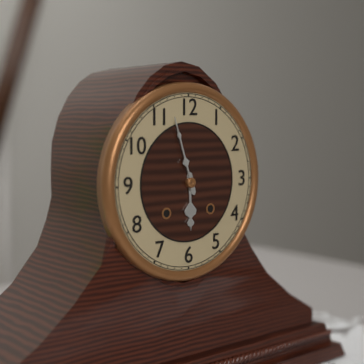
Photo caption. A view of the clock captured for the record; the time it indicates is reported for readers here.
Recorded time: 5:57
